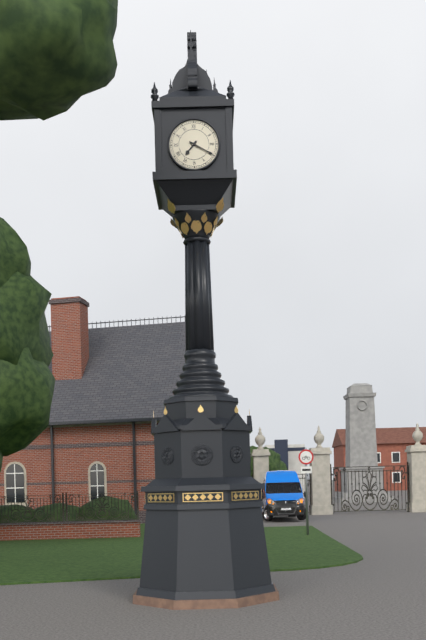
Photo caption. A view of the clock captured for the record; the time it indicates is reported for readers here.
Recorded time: 7:20
